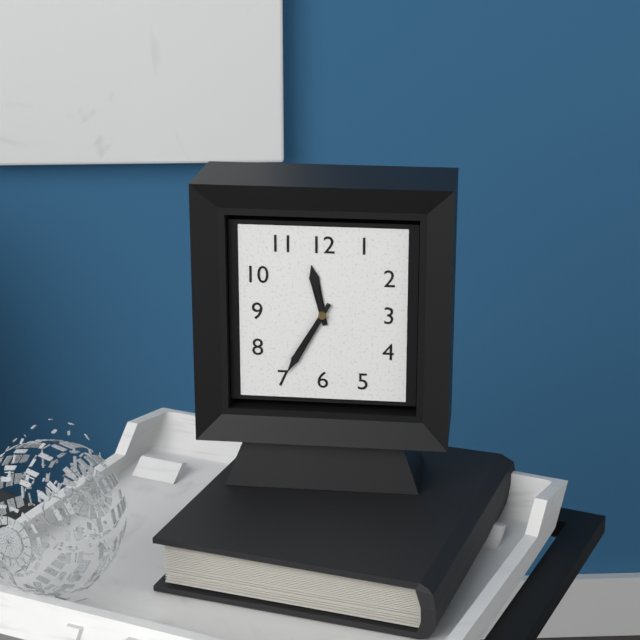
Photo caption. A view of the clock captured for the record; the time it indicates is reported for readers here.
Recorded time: 11:35
